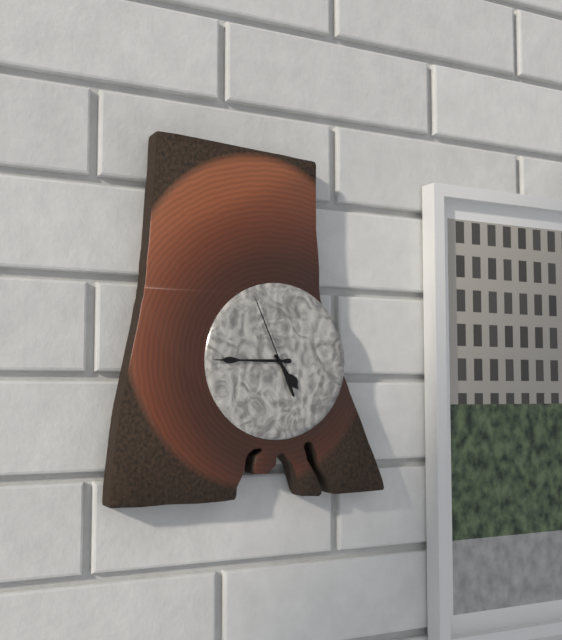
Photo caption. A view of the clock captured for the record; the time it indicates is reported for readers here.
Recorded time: 4:45:56
